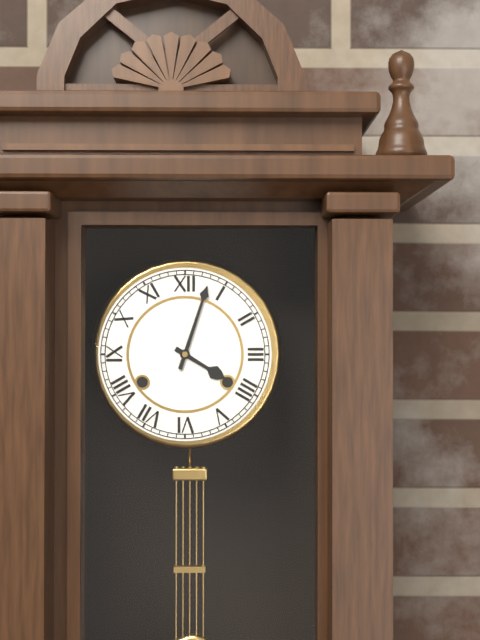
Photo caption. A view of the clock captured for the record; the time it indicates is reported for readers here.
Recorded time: 4:03
